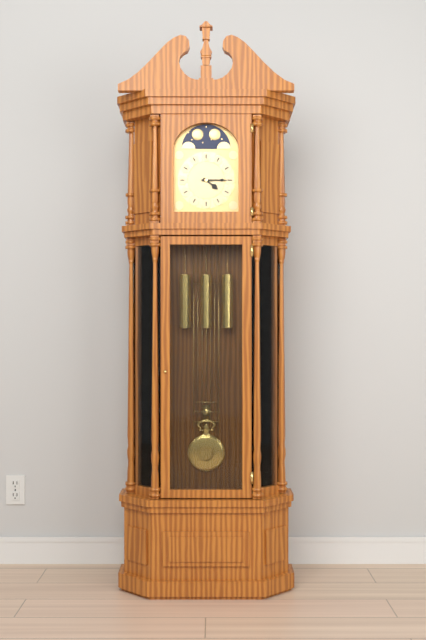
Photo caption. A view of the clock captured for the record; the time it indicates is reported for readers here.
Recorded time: 4:15
